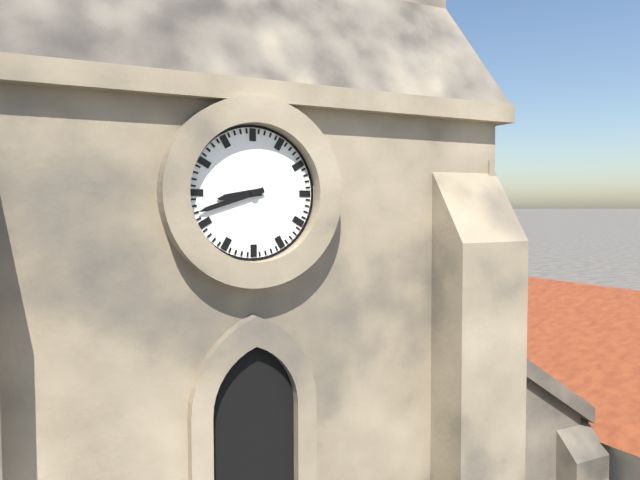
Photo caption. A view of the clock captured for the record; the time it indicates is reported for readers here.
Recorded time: 8:42
